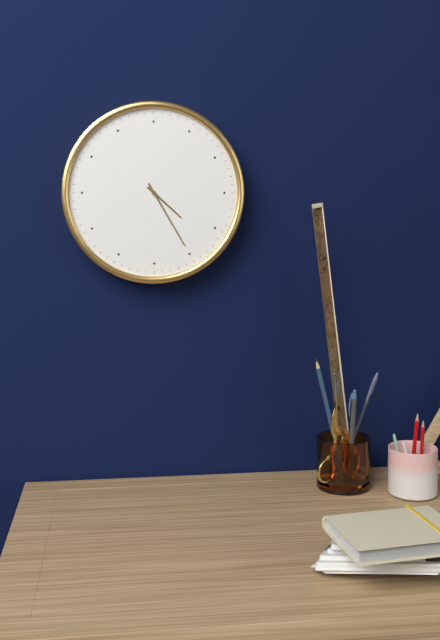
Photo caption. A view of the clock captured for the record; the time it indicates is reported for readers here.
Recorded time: 4:25
